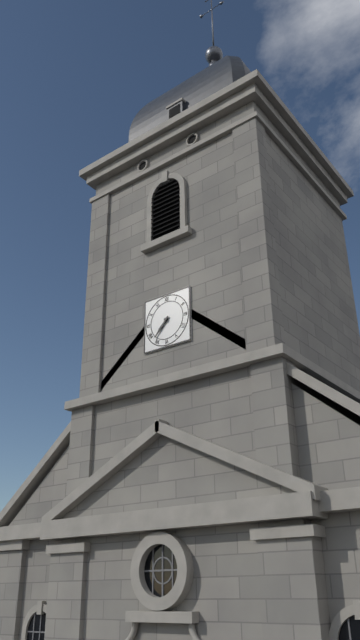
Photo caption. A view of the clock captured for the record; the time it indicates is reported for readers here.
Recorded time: 7:37
